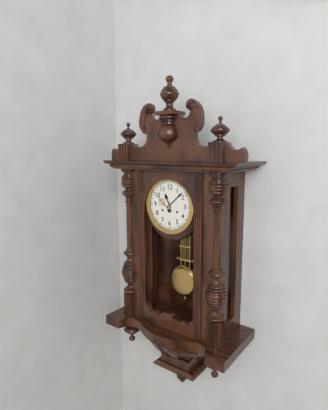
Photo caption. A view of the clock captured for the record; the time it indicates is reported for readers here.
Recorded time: 11:08
